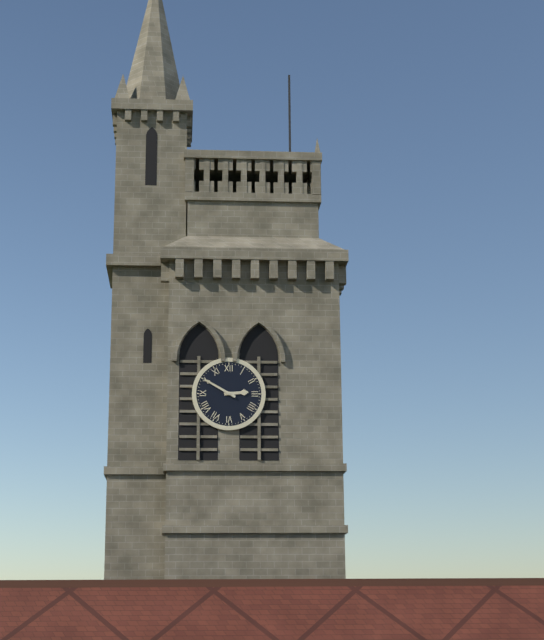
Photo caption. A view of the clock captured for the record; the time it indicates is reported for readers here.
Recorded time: 2:50
